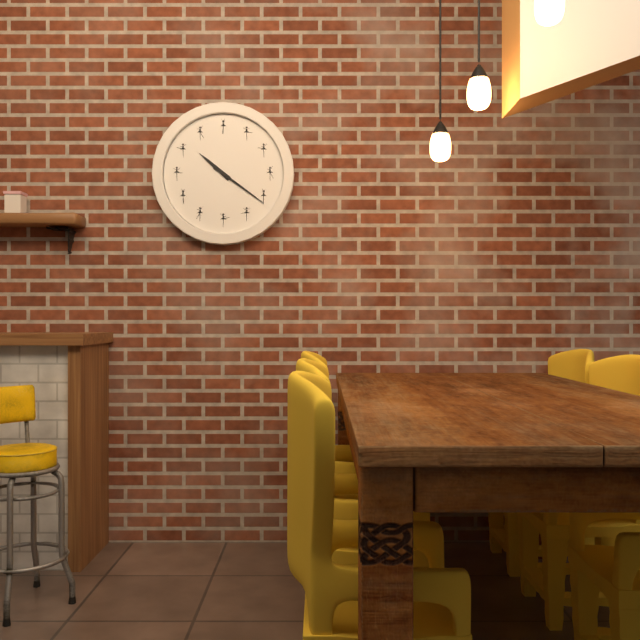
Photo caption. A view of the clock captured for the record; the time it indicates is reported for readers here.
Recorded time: 10:21
